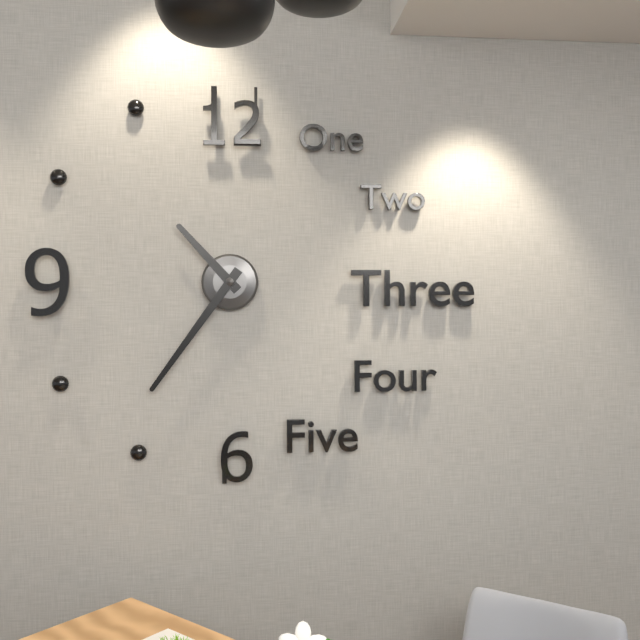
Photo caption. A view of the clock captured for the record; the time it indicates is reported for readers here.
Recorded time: 10:36
